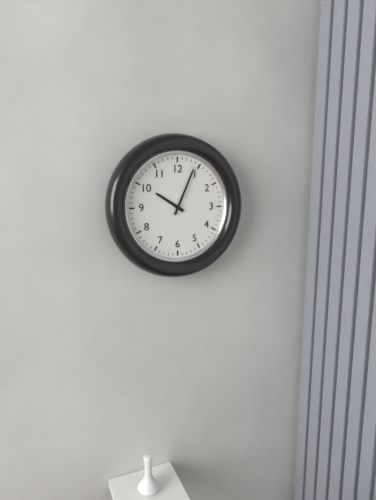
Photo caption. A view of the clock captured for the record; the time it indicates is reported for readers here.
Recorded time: 10:04
